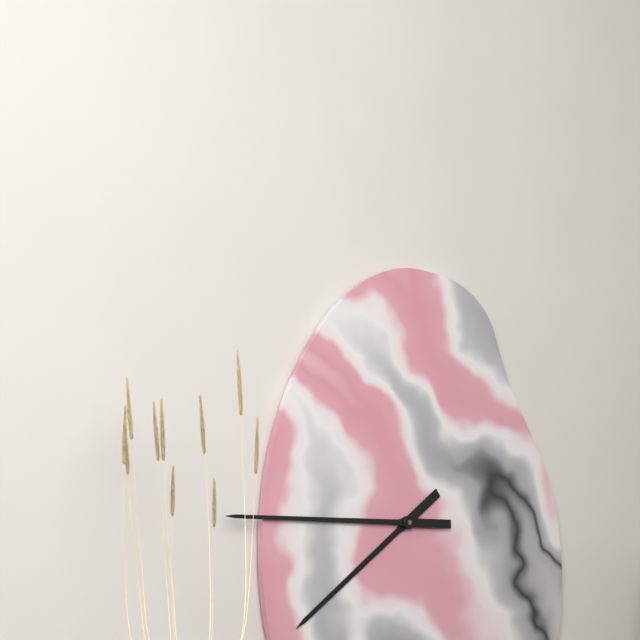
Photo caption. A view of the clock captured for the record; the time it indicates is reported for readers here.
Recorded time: 7:45
